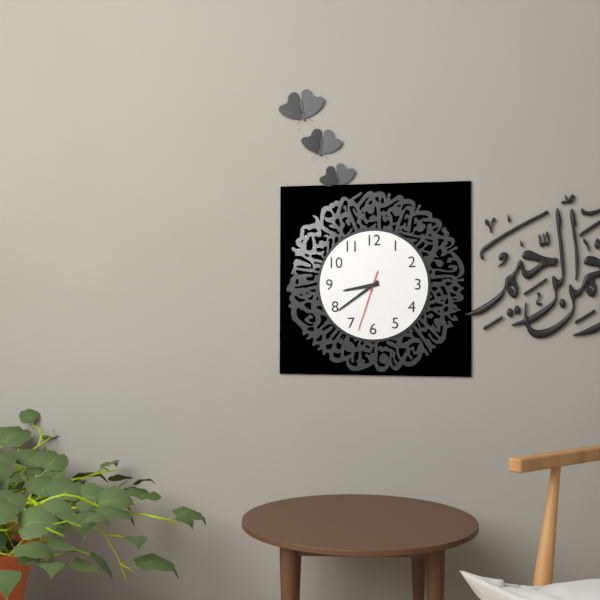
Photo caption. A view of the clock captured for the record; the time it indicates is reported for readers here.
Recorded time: 8:39:33
